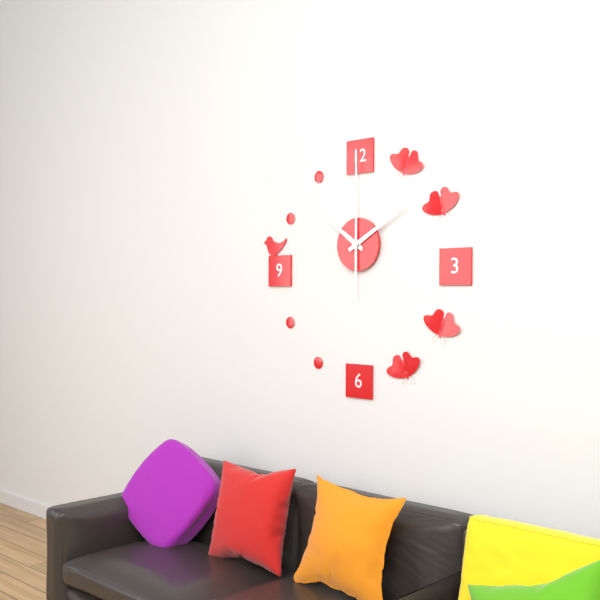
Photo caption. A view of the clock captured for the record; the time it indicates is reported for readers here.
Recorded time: 10:10:00
